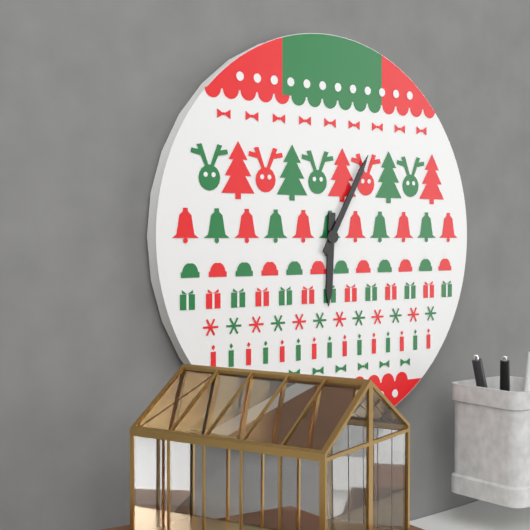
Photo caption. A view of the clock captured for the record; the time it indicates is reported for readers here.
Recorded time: 6:05
